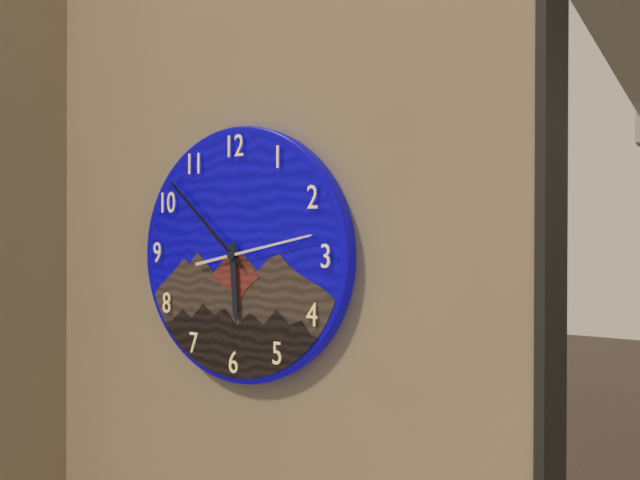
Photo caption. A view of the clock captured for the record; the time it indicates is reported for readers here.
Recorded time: 5:52:13
